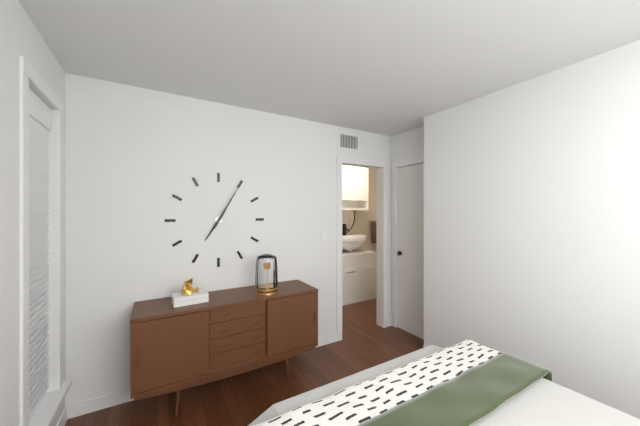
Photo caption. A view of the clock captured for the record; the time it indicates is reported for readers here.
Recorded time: 7:05
